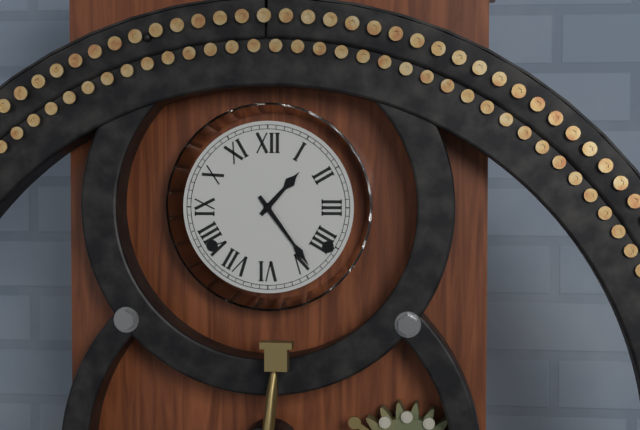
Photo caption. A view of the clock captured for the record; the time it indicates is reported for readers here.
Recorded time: 1:24
